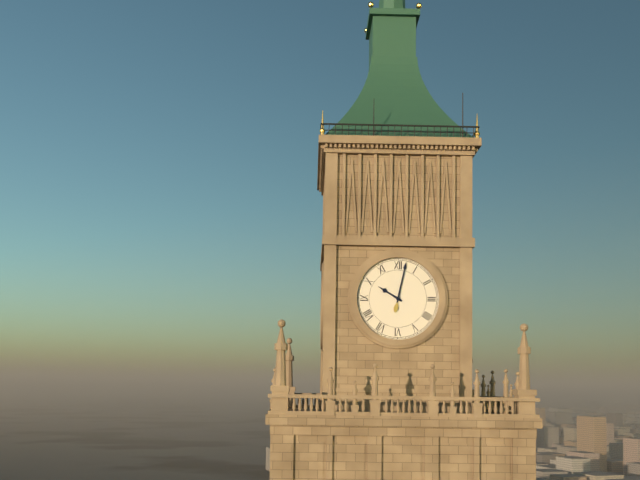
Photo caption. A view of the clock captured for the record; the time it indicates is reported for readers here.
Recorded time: 10:02
